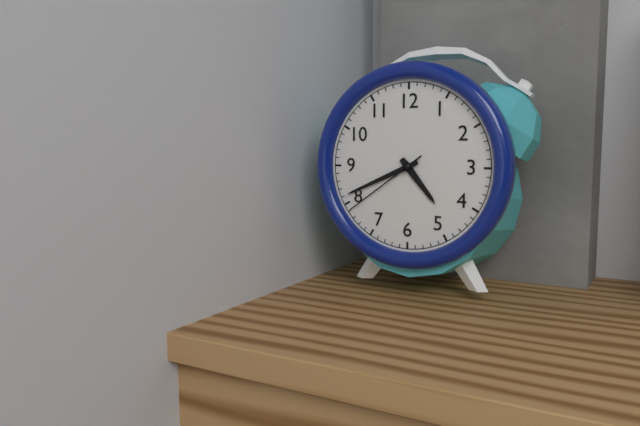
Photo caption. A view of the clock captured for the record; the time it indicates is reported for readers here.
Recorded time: 4:41:39
